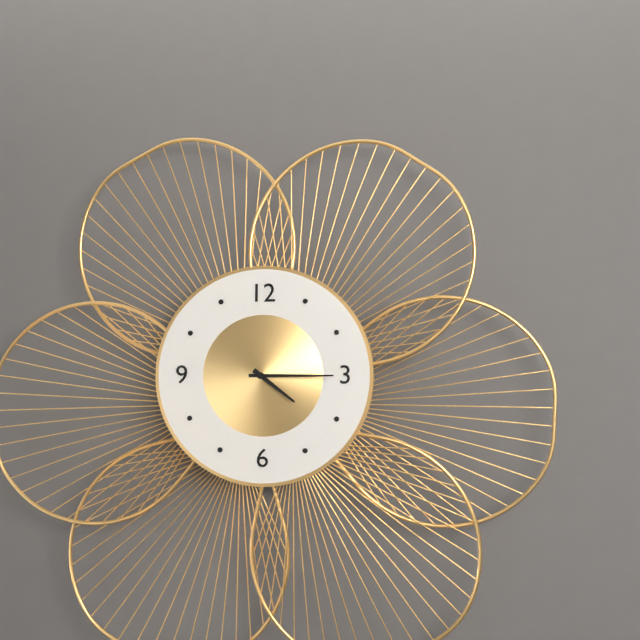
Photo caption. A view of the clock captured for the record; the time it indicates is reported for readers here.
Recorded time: 4:15
